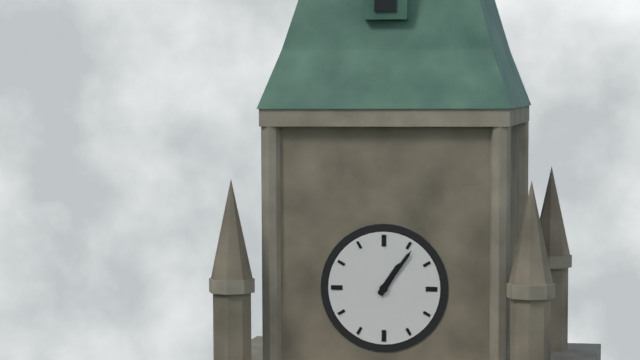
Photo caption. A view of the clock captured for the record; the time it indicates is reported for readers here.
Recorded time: 1:06
